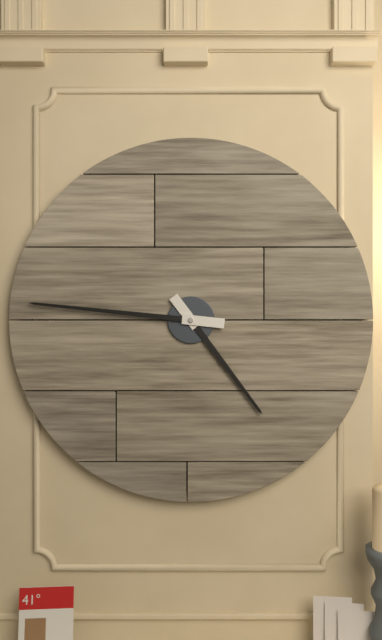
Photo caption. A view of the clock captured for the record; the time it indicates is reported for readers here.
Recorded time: 4:46
